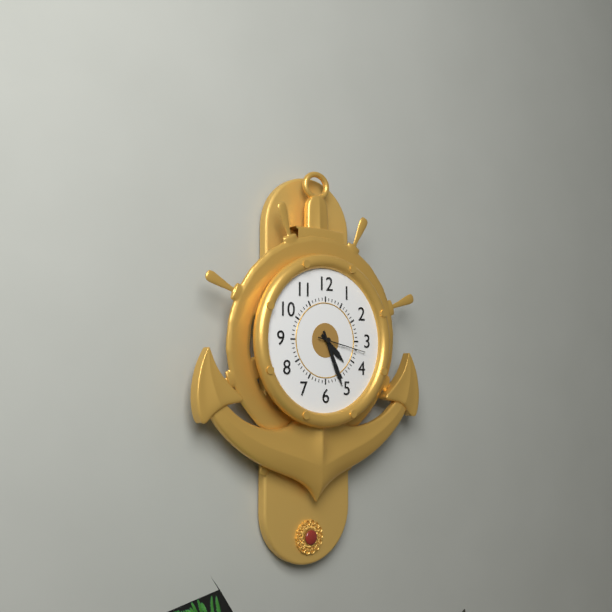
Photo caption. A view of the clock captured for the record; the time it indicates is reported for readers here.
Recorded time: 4:26
